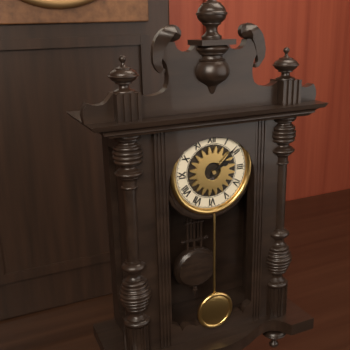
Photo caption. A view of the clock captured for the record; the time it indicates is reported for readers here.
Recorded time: 2:08
